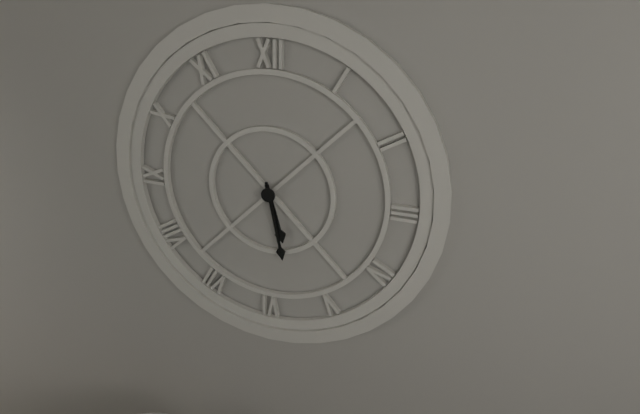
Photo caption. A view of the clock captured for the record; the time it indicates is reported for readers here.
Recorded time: 5:28
